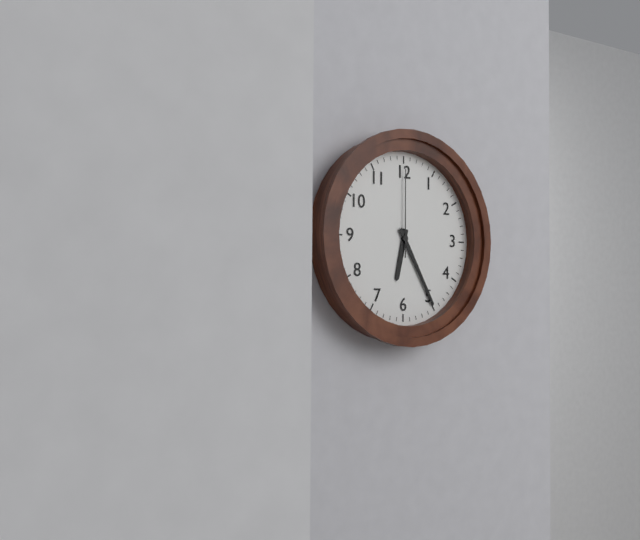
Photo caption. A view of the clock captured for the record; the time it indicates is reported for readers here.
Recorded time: 6:25:00
